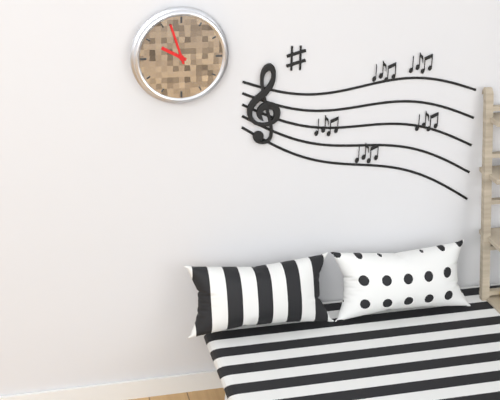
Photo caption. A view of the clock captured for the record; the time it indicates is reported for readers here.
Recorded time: 9:57
